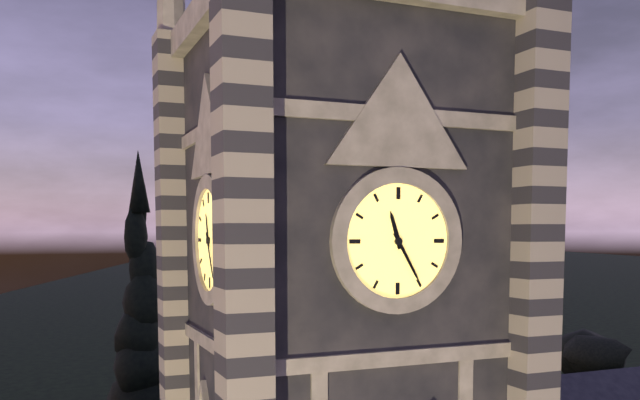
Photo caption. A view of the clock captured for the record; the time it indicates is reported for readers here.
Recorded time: 11:25
